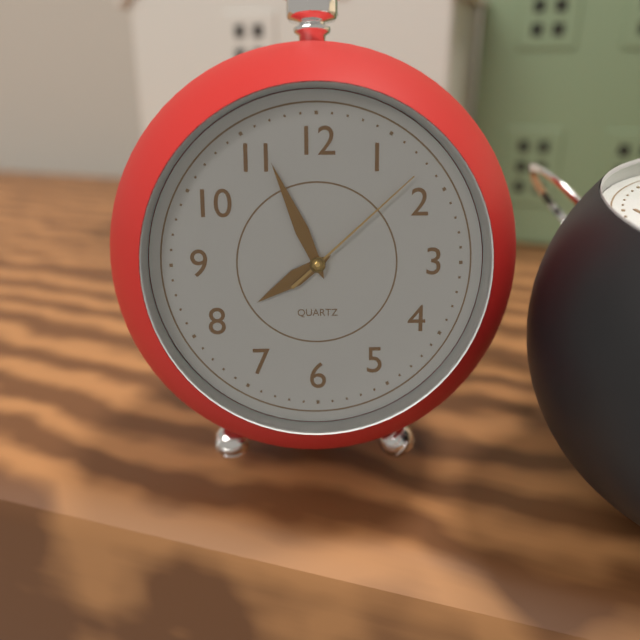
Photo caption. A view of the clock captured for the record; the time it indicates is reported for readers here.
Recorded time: 7:56:08
